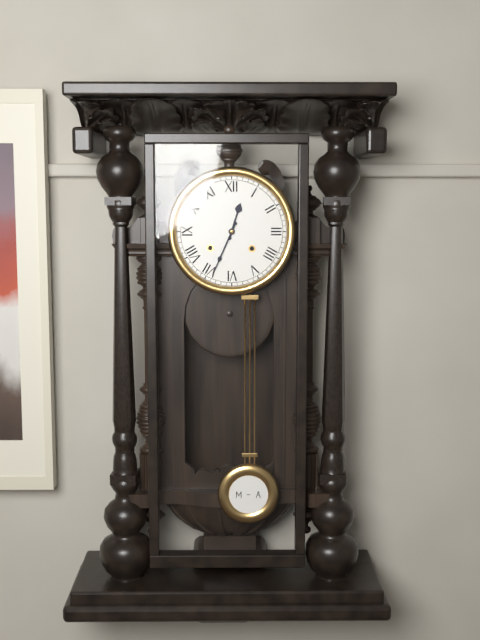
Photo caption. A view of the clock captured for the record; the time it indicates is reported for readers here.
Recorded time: 12:34
